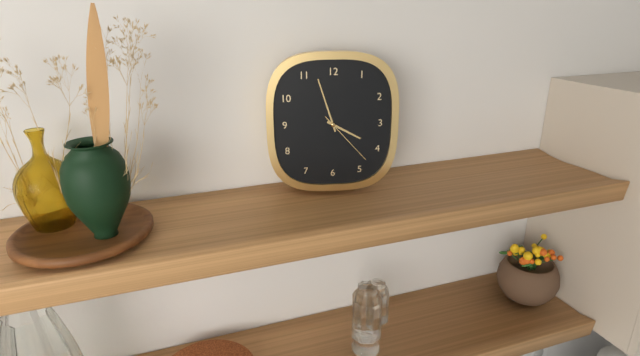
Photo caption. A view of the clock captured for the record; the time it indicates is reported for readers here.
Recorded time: 3:57:23
